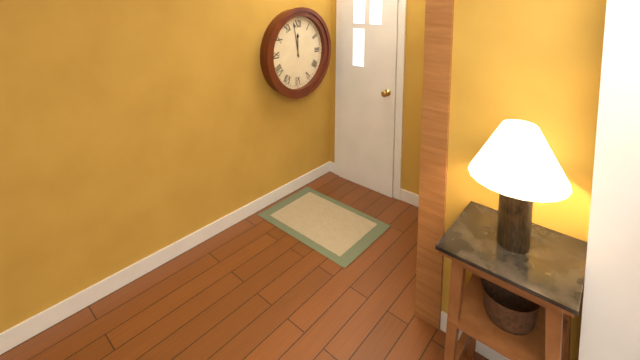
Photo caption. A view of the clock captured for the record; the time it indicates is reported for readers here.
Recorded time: 11:58
